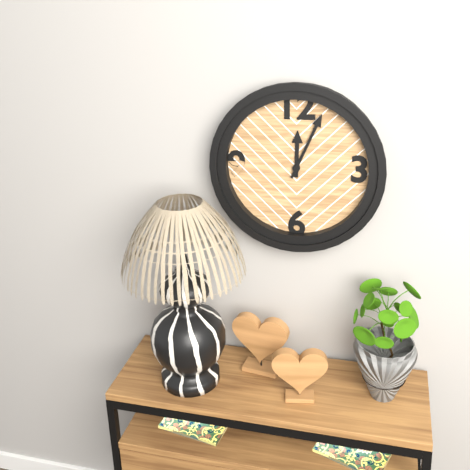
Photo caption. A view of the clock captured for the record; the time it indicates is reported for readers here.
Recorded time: 12:04
